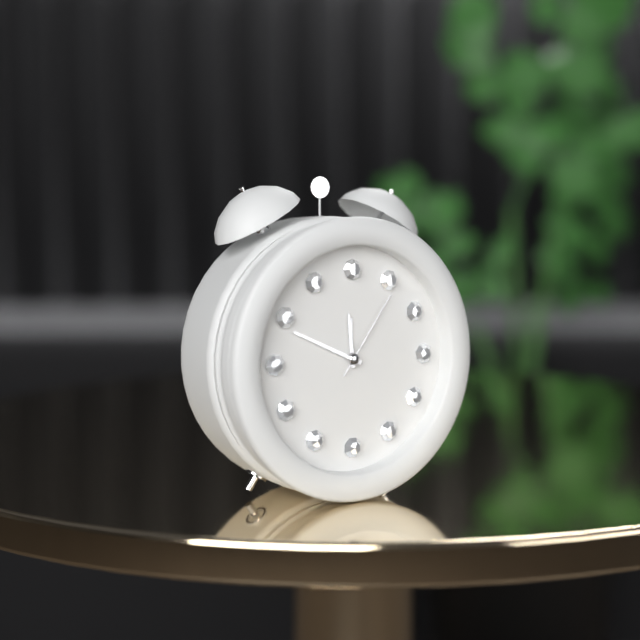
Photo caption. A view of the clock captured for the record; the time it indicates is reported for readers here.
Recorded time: 11:49:06
